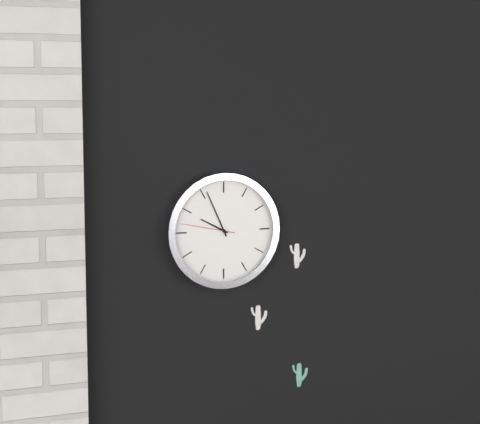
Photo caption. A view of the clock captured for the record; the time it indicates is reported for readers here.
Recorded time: 9:56:47
